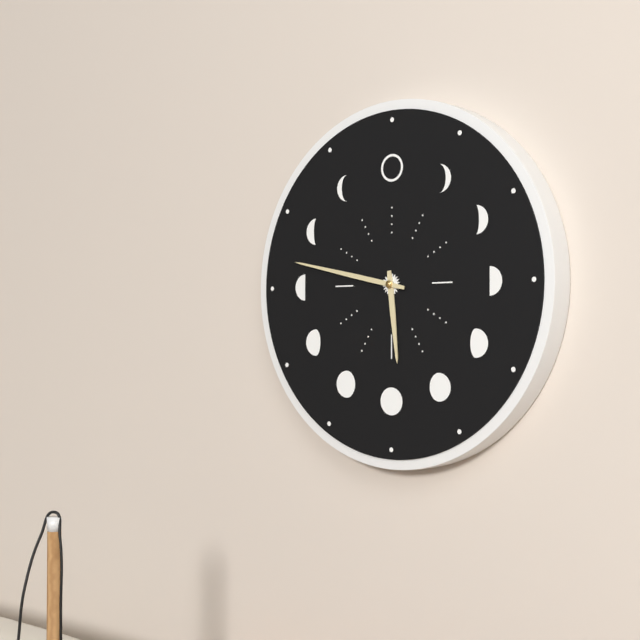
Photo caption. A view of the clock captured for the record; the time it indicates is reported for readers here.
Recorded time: 5:47
